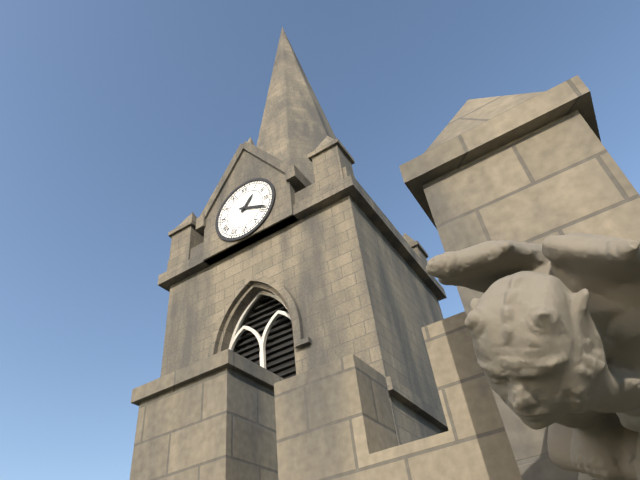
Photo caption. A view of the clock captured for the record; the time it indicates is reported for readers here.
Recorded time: 1:19
